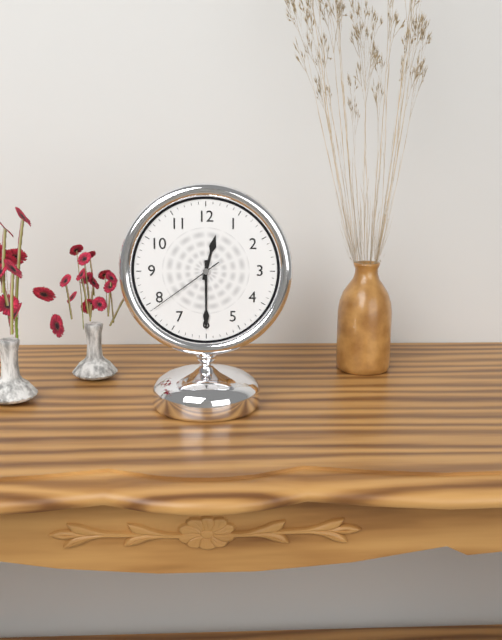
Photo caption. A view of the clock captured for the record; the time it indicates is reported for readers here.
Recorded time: 12:30:39
